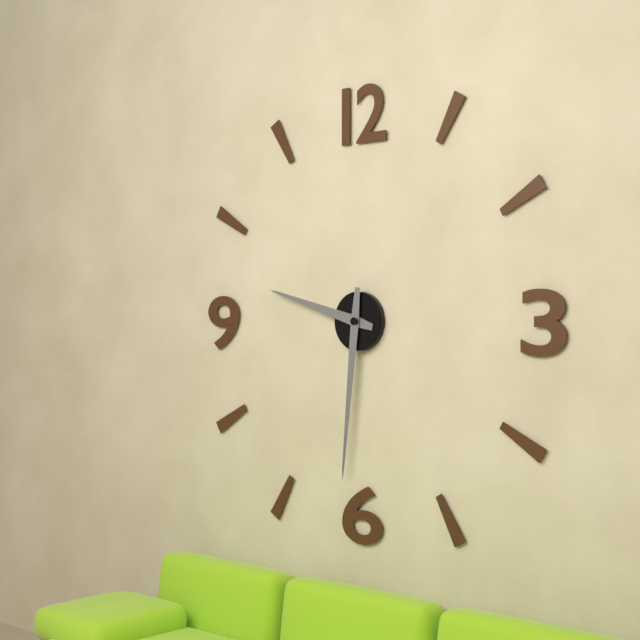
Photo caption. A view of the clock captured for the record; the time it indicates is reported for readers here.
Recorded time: 9:31
